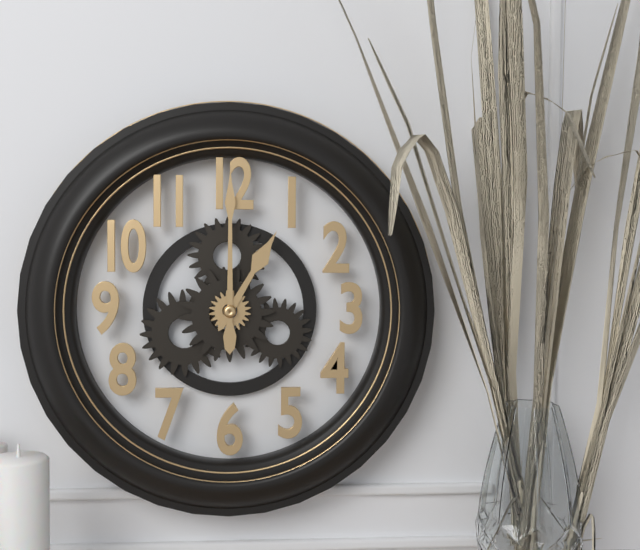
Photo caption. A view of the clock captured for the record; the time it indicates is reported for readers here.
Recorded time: 1:00
